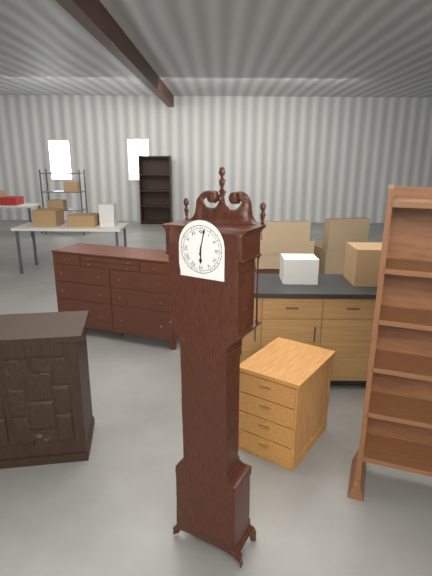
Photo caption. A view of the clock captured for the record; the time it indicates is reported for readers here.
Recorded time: 6:02
